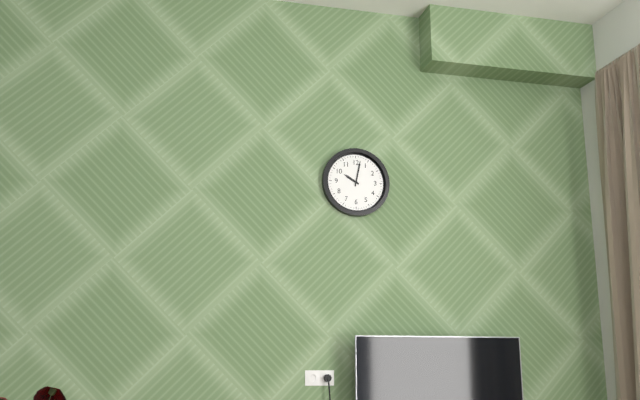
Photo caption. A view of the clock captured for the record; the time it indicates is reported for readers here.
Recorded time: 10:02
